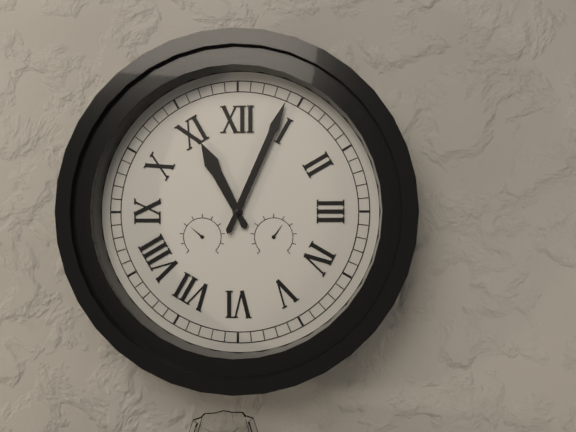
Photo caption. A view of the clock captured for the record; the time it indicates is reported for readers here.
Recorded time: 11:04
